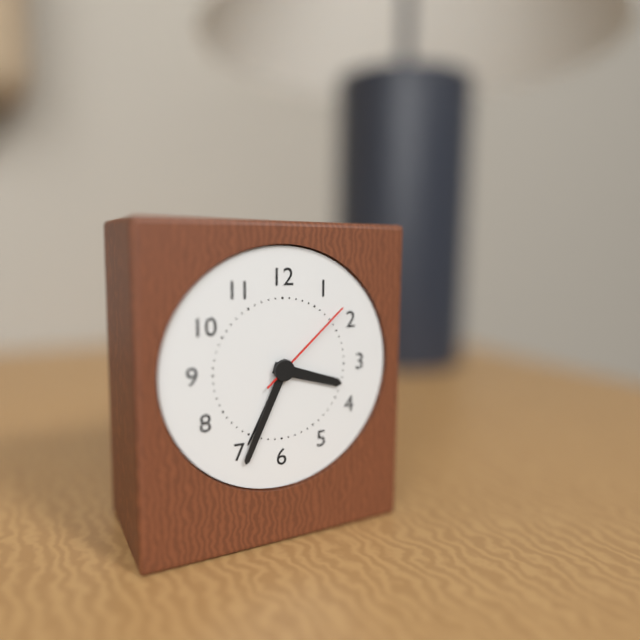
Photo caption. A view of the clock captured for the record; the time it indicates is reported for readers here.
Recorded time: 3:34:08
